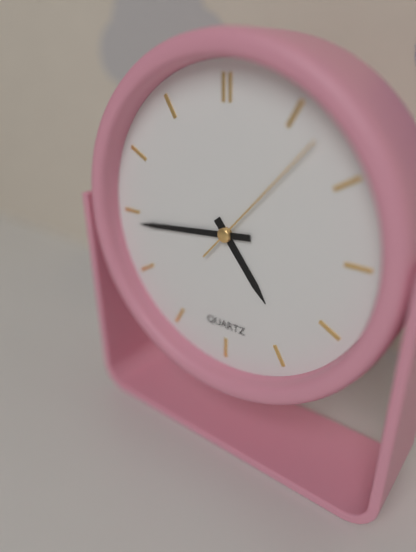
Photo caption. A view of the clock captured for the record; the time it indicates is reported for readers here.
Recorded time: 4:44:07
